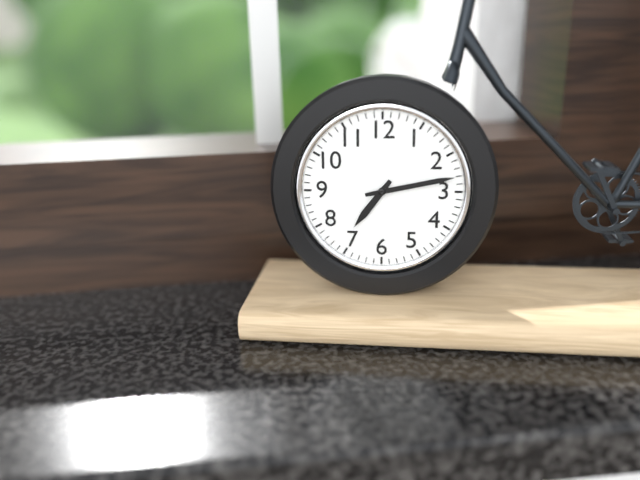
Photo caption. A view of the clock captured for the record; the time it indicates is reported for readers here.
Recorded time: 7:13
